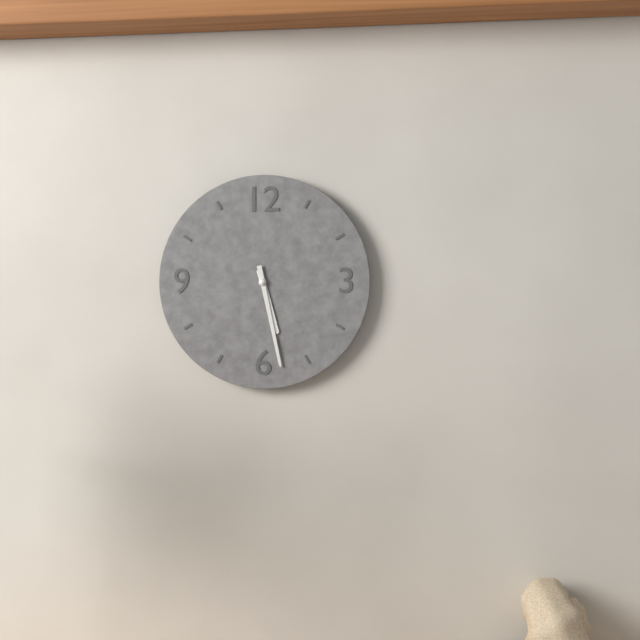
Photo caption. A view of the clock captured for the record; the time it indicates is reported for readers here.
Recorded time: 5:28
